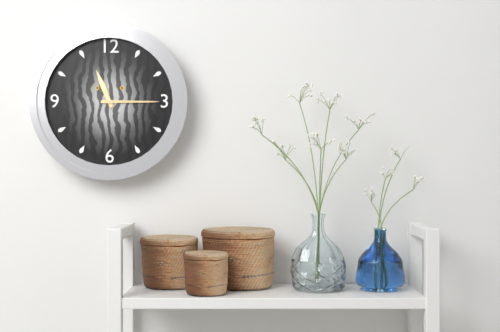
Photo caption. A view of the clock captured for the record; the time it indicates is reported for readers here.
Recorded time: 11:15
